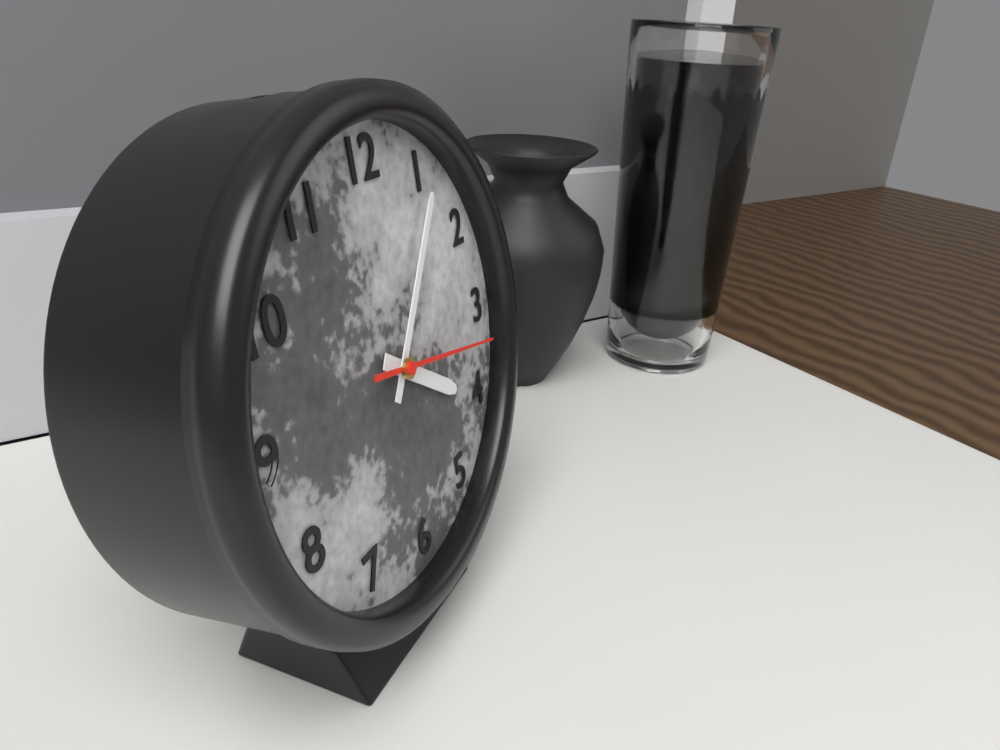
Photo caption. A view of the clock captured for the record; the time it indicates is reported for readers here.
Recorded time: 4:06:17
